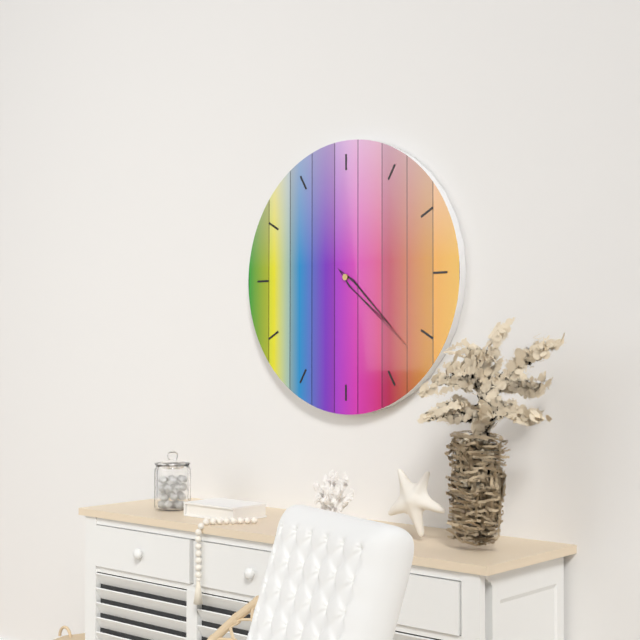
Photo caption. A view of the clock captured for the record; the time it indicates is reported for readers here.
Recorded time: 4:22
